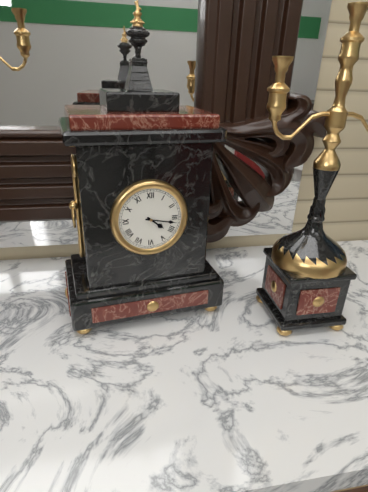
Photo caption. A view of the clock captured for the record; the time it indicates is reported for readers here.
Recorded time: 4:17
